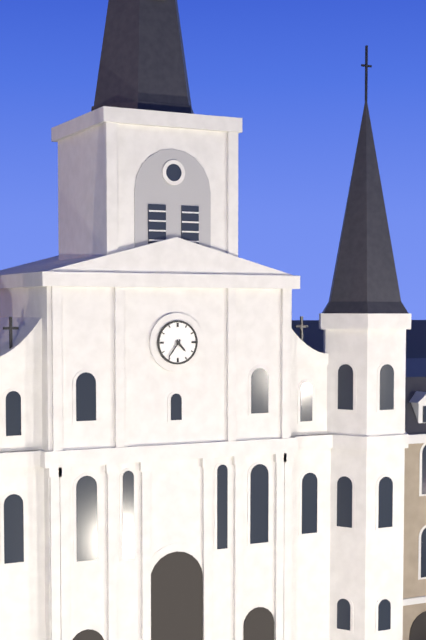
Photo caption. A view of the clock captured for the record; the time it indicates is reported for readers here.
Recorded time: 4:36
